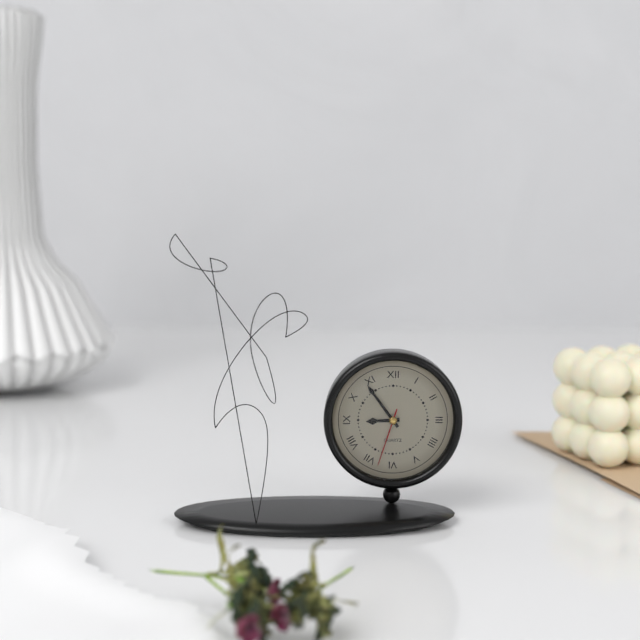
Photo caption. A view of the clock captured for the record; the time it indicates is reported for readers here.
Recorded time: 8:54:33
